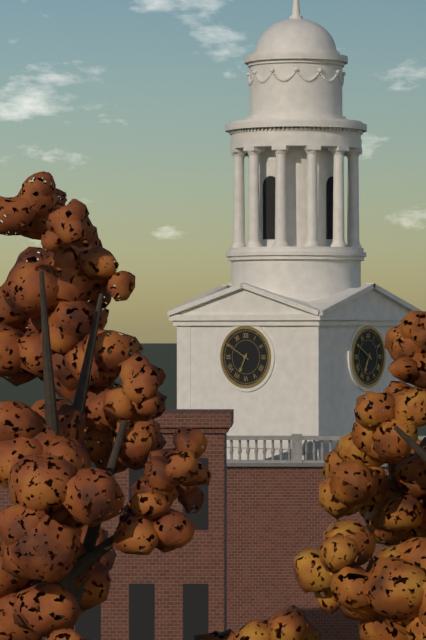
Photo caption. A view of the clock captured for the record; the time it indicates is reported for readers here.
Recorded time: 6:50
